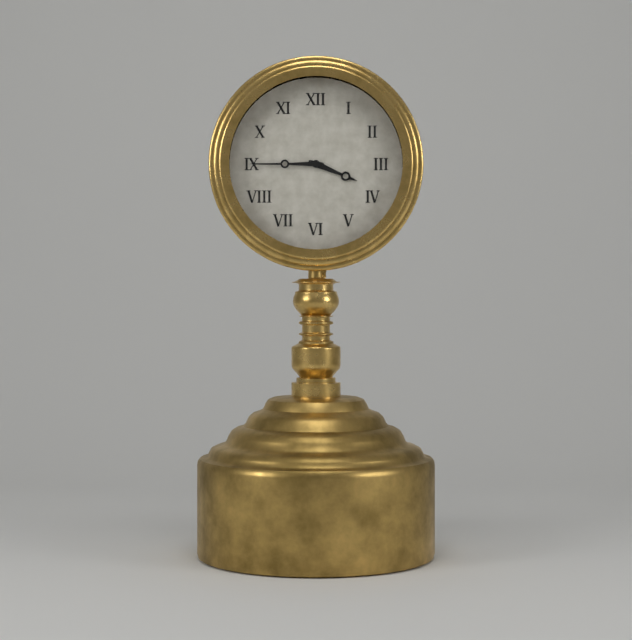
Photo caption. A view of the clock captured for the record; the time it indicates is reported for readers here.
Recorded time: 3:45
